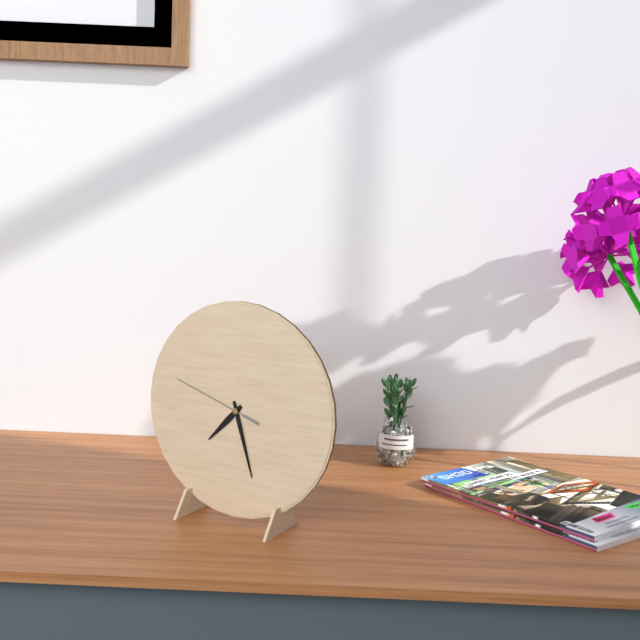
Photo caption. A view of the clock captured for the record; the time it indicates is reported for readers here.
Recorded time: 7:27:48
